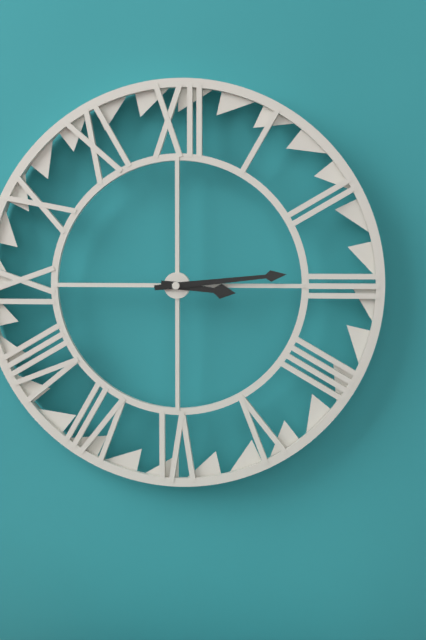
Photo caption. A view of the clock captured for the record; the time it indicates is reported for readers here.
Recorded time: 3:14
